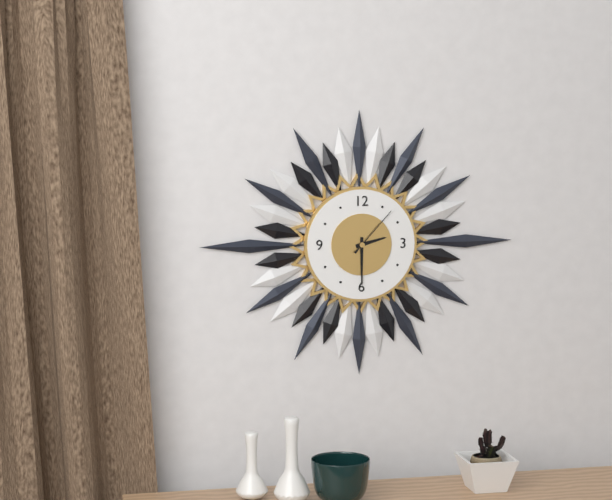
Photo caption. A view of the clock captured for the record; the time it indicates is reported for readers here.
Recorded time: 2:30:07
